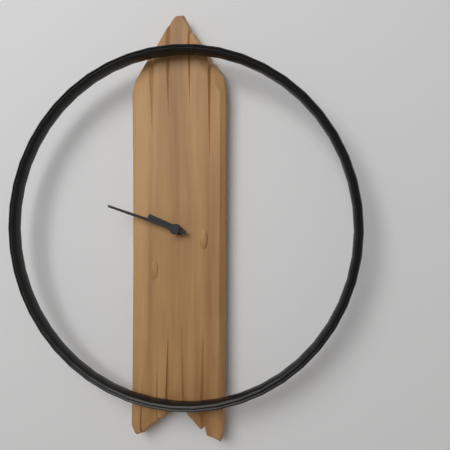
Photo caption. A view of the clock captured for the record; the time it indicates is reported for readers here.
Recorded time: 9:48
